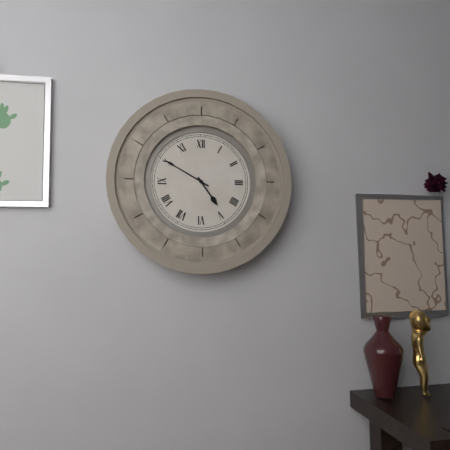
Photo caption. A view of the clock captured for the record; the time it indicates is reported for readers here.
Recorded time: 4:50
